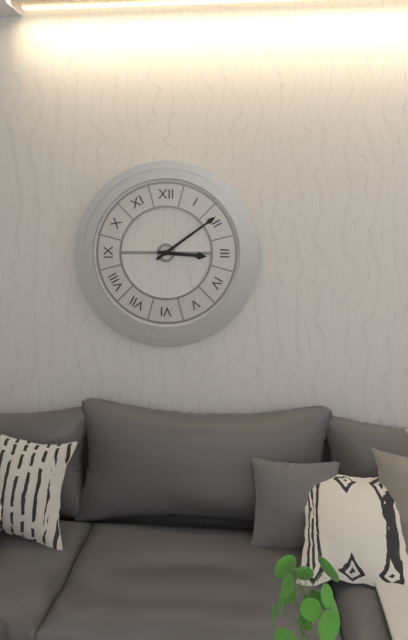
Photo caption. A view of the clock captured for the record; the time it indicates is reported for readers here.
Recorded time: 3:09
